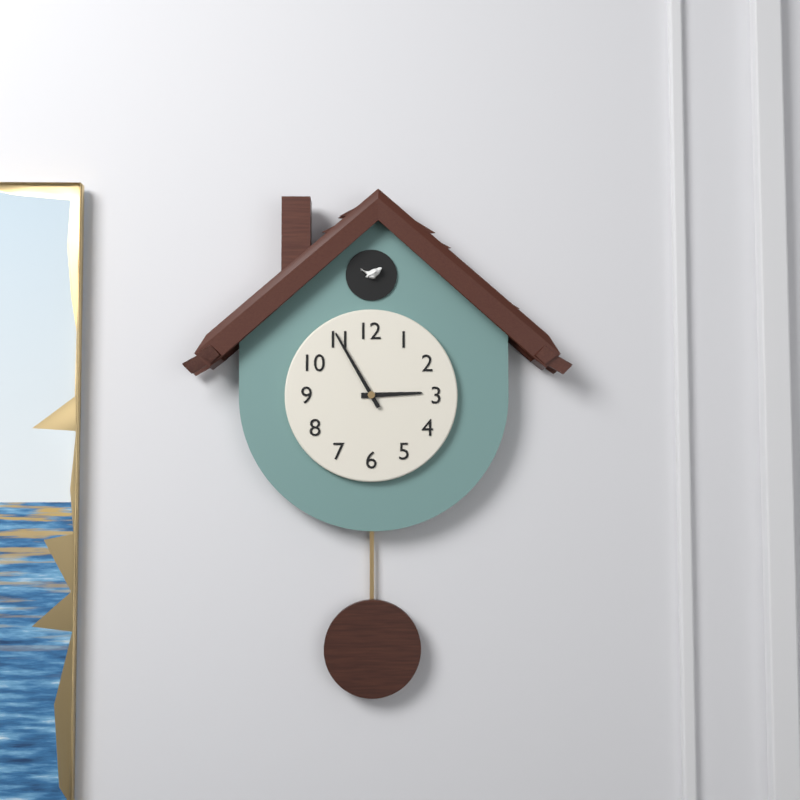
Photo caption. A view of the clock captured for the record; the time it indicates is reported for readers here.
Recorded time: 2:55
